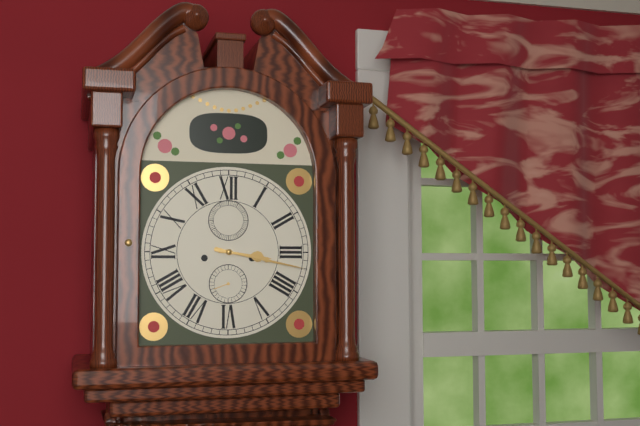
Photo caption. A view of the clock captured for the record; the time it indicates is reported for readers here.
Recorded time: 3:17
